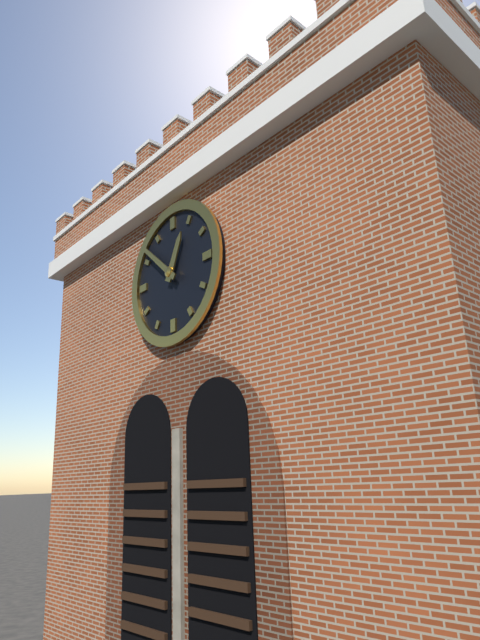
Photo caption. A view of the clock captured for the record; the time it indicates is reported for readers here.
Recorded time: 12:52
